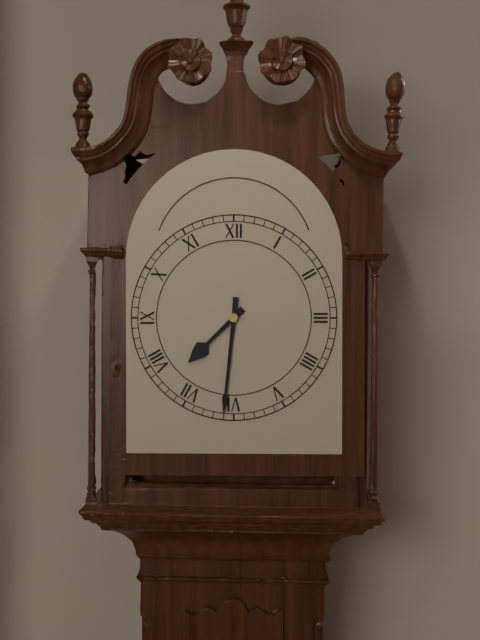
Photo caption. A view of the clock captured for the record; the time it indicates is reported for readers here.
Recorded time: 7:31
